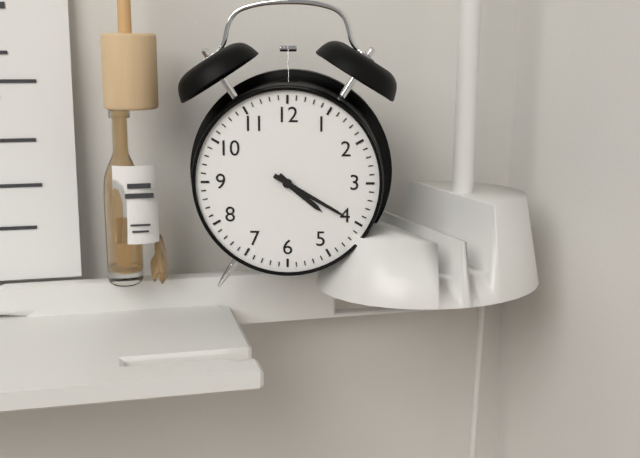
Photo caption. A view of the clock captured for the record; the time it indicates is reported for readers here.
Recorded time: 4:20
